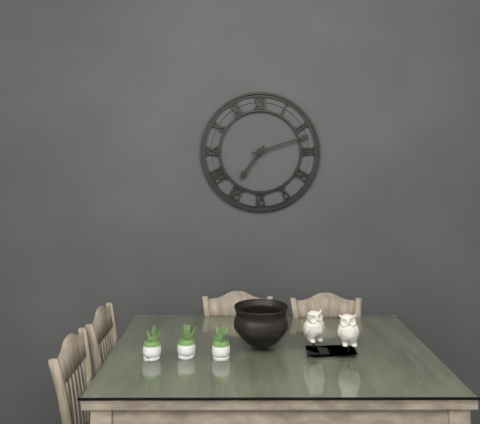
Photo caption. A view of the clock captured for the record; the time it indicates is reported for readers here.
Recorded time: 7:12
